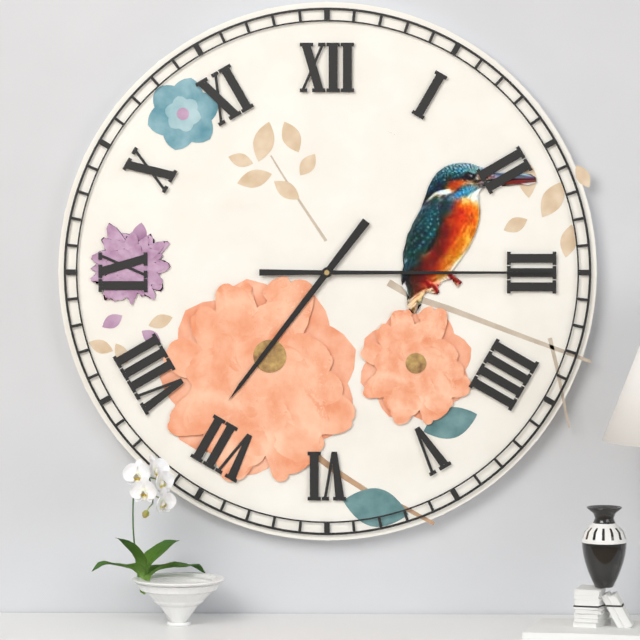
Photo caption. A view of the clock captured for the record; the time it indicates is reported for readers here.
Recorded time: 7:15
